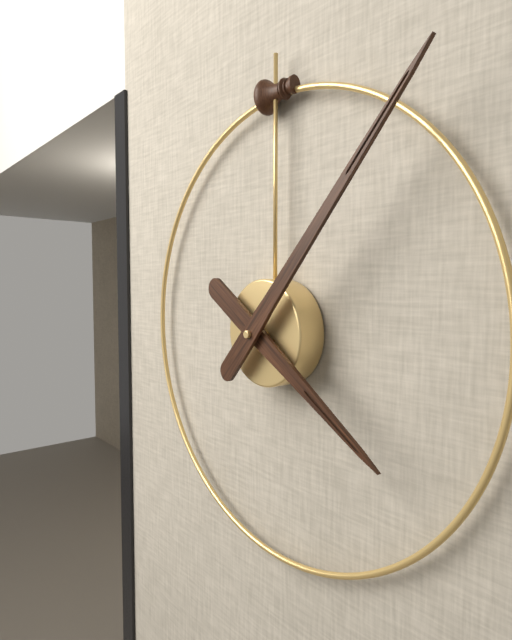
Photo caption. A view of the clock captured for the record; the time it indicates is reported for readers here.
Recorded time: 4:07
